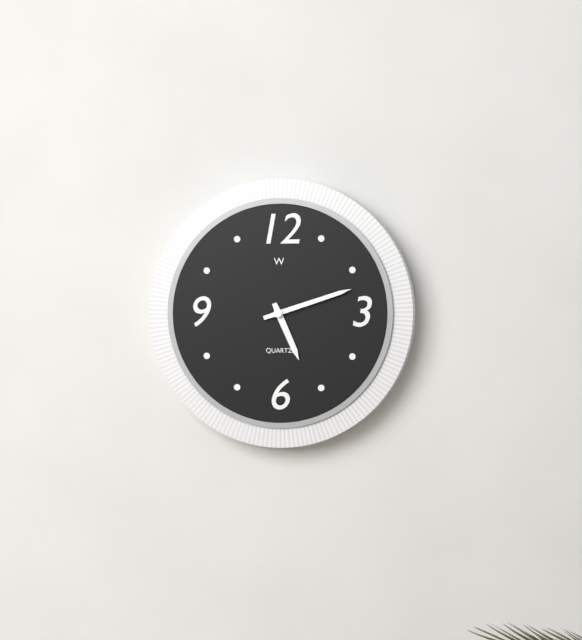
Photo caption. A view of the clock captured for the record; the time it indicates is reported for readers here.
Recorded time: 5:12
